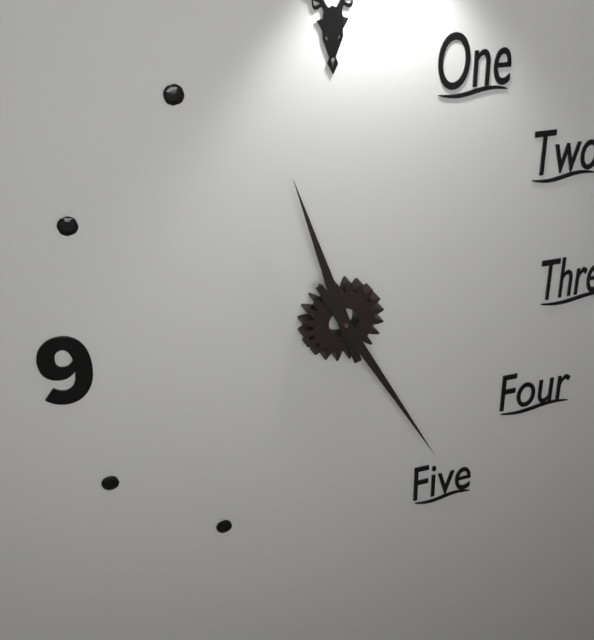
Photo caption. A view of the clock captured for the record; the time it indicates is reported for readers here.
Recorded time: 11:25
